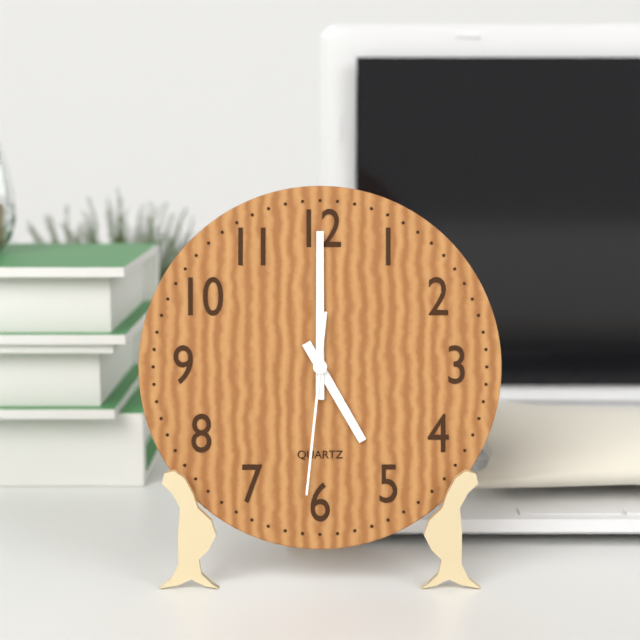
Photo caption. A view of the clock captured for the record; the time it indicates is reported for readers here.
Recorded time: 5:00:31
